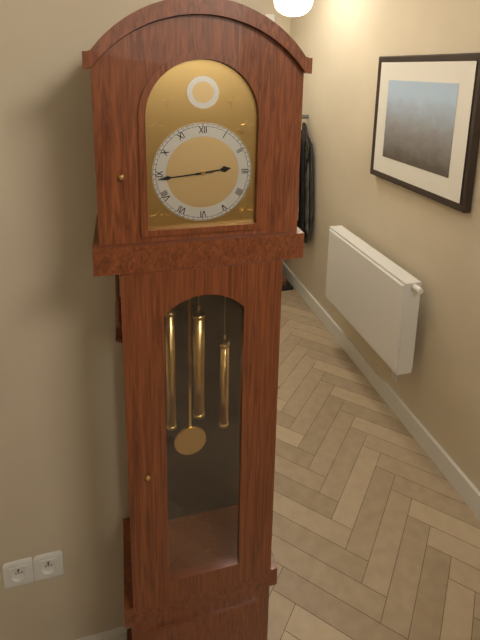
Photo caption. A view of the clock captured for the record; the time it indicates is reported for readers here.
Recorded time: 2:44
